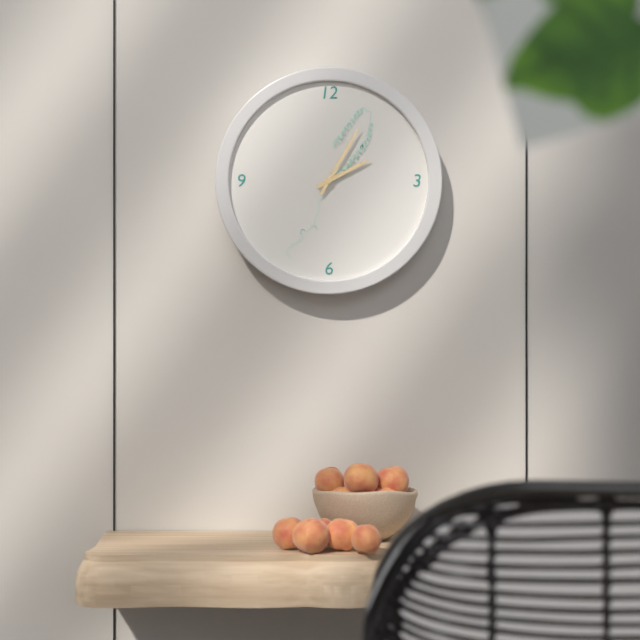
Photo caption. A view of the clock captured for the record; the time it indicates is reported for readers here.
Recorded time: 2:05
